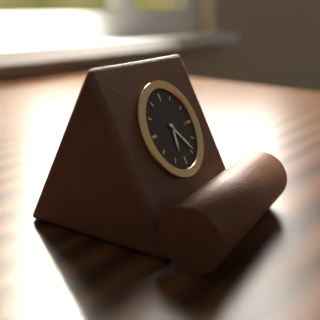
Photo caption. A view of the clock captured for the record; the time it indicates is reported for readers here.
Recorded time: 6:24
